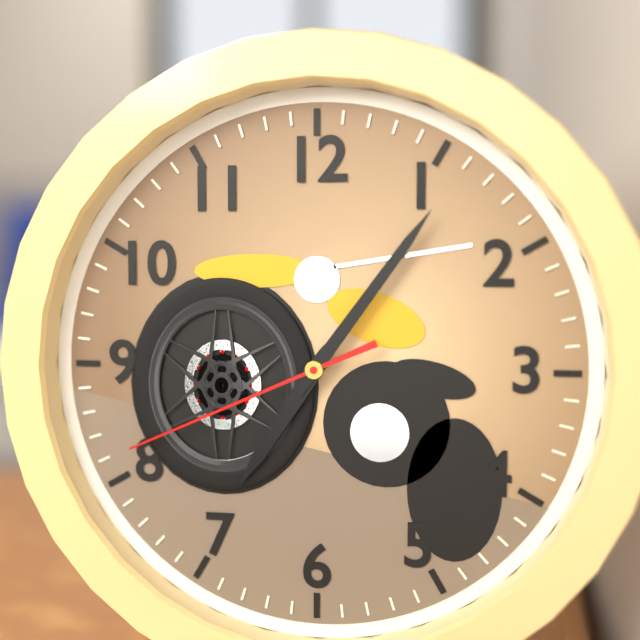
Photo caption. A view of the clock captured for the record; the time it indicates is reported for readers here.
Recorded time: 7:06:41
